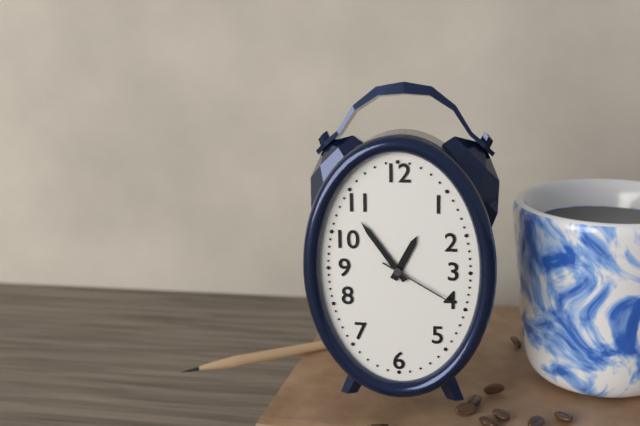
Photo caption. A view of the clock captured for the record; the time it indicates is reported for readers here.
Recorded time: 12:54:20
